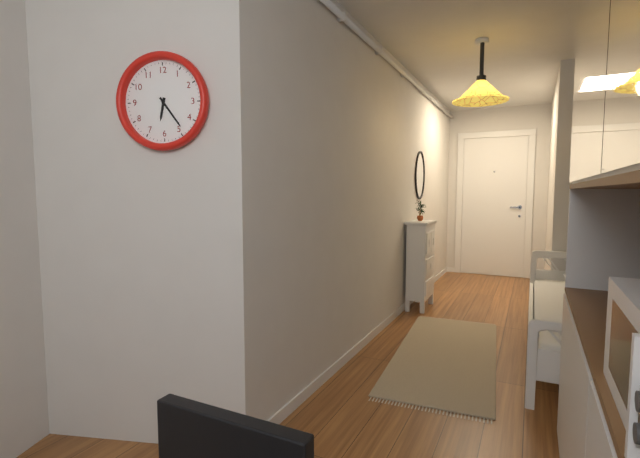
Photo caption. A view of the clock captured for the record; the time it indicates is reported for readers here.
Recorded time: 6:24
